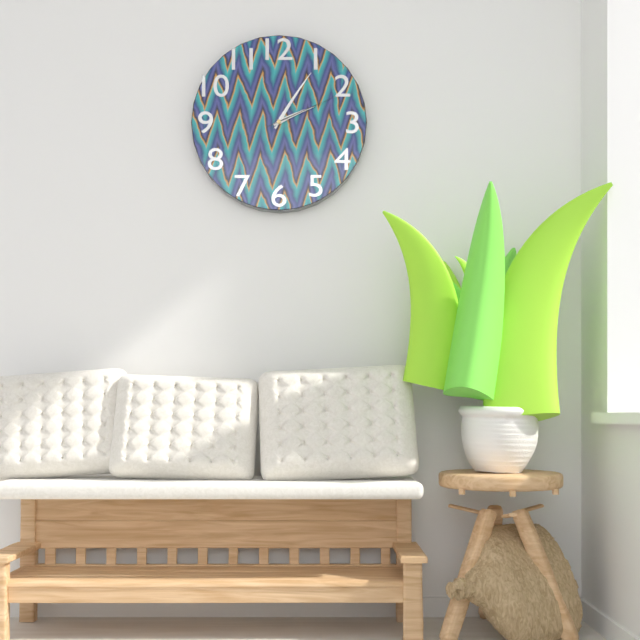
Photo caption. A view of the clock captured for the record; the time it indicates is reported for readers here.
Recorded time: 2:05:11
